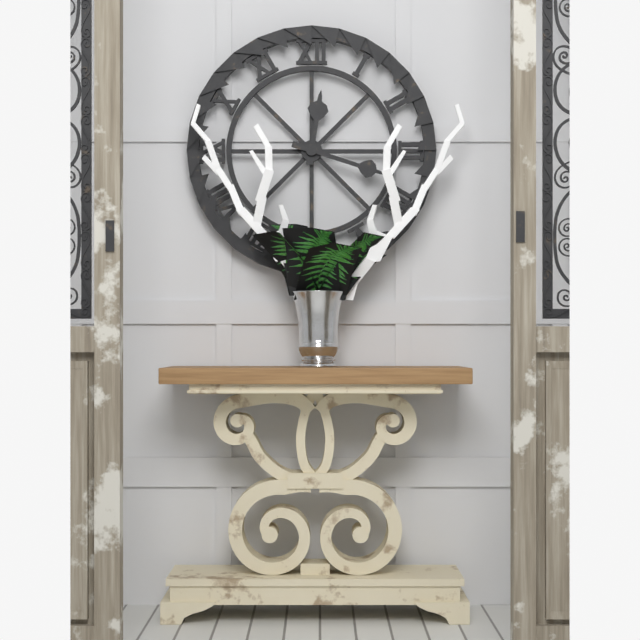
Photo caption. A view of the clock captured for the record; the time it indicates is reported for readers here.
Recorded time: 12:18
